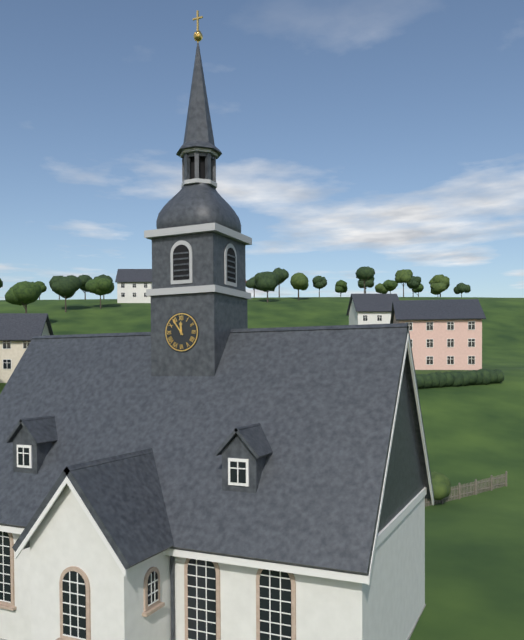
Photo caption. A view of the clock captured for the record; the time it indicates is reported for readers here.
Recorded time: 11:54
